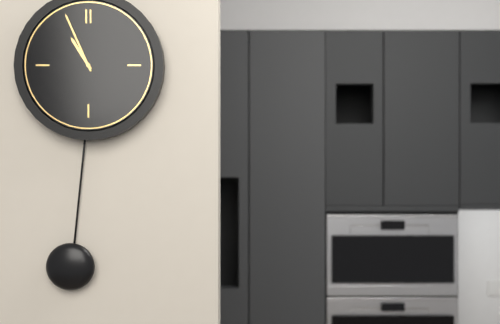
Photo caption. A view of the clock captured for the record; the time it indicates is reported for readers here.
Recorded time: 10:56
